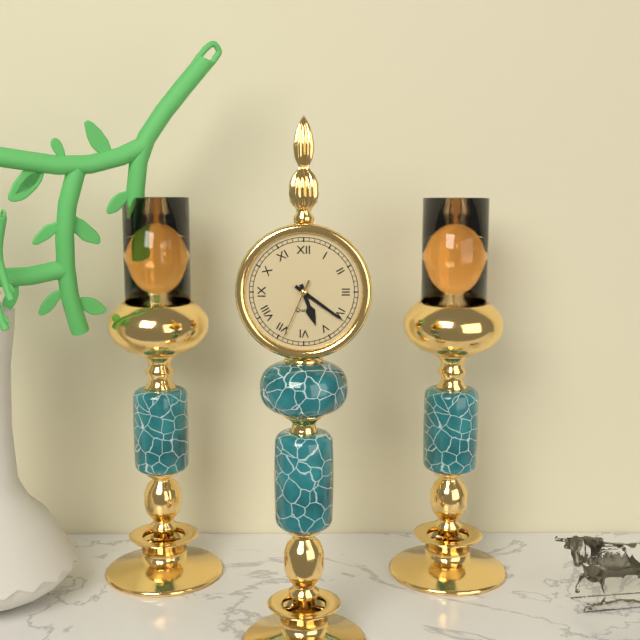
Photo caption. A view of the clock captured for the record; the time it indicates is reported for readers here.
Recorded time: 5:21:34
